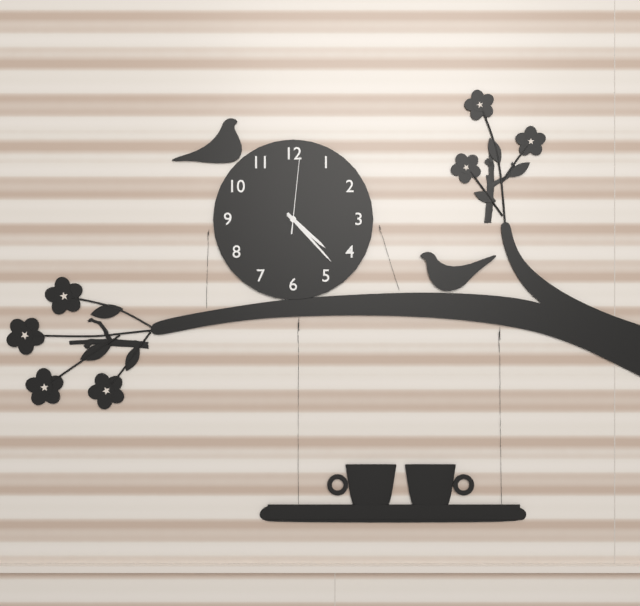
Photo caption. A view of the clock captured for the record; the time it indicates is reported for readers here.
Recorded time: 4:23:01
